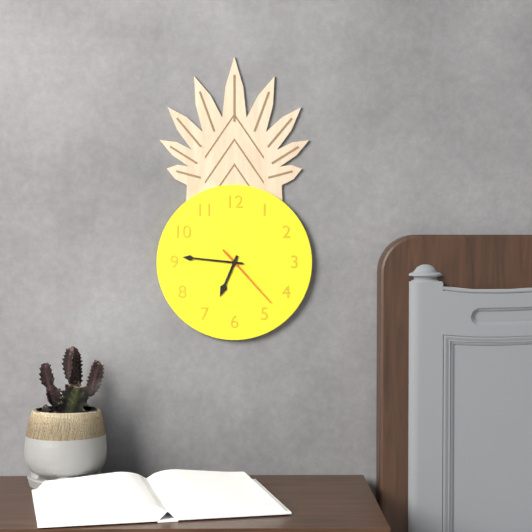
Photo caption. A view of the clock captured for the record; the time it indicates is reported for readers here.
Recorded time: 6:46:23
